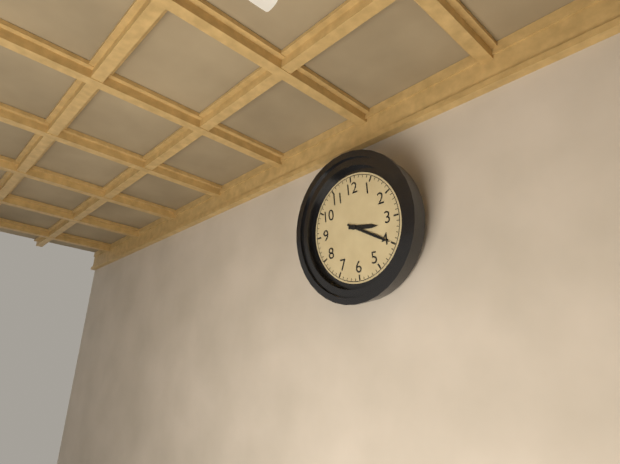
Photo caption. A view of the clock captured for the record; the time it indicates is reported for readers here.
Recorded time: 3:20
